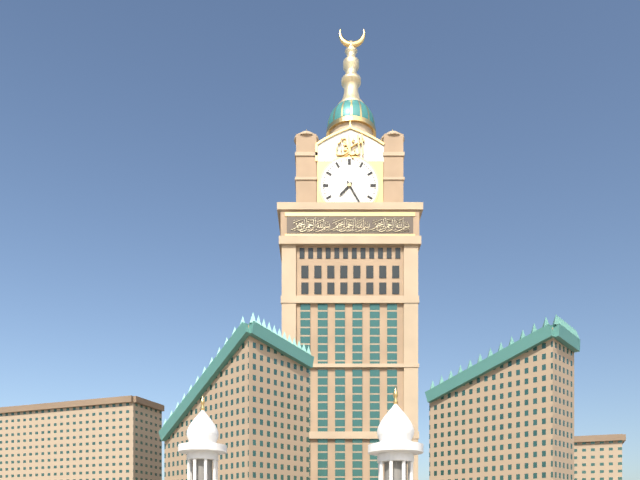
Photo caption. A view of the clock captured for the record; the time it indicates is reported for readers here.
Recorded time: 7:25
